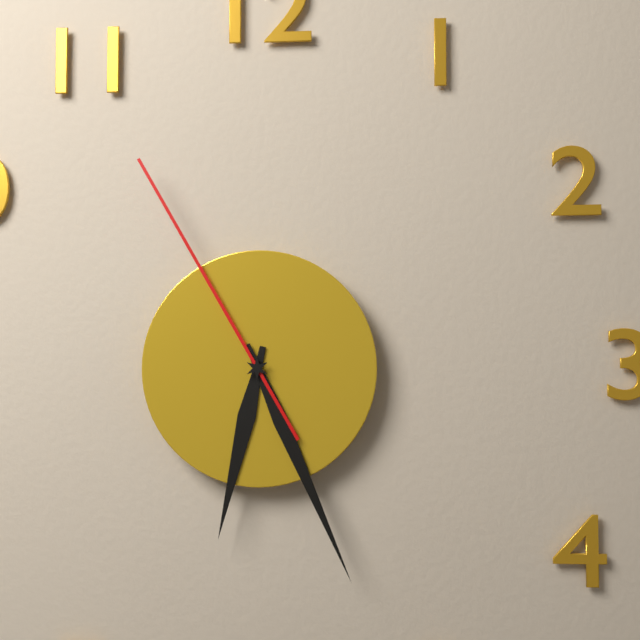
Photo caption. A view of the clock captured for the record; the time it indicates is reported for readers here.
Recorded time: 6:26:55
